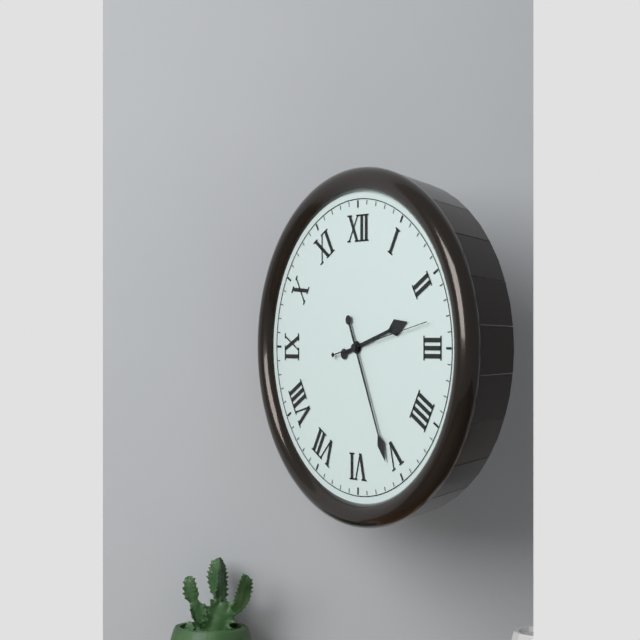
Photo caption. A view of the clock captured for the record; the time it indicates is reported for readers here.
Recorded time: 2:26:13
